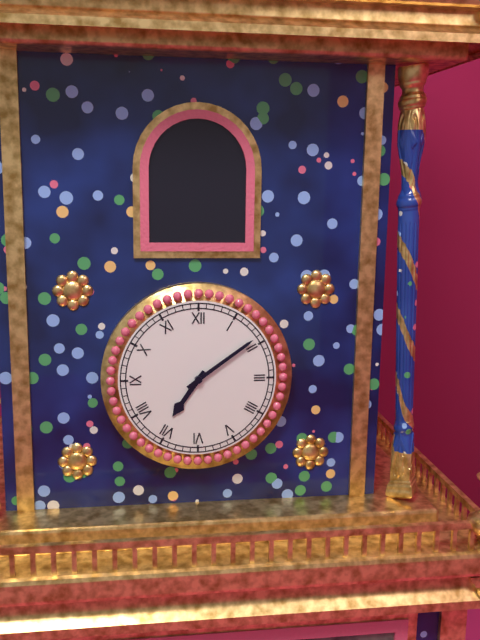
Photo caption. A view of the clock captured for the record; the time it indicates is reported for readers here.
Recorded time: 7:09
